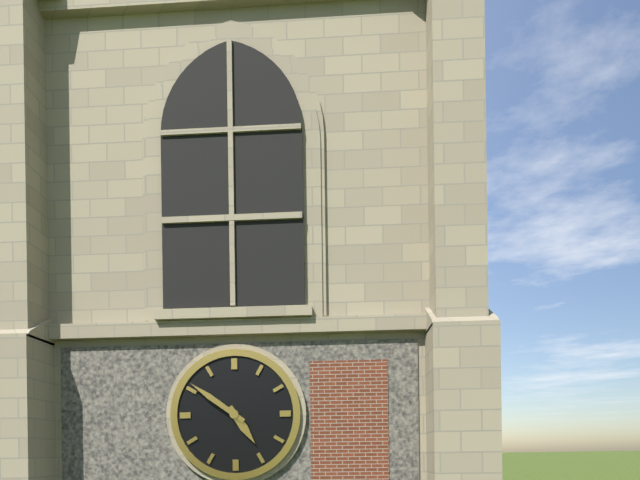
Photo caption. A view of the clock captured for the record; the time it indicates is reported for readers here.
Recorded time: 4:51
